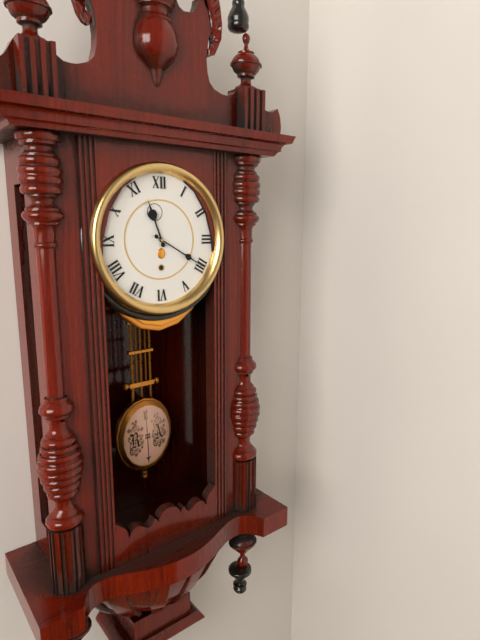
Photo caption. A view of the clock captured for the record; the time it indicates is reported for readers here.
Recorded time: 11:20
